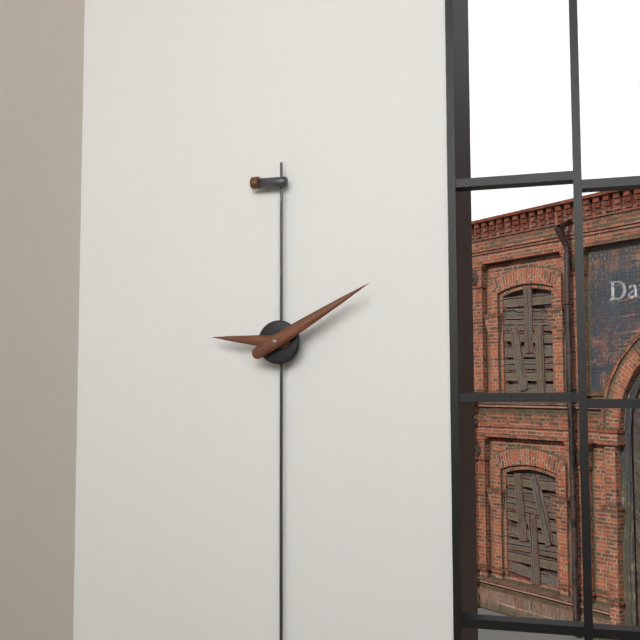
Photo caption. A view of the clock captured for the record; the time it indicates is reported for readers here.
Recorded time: 9:10
